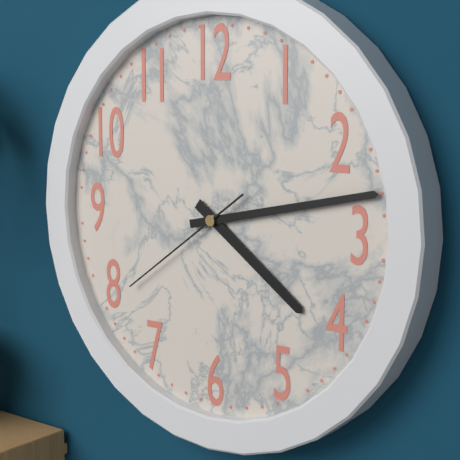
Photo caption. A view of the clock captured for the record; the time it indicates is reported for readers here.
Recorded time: 4:13:39
